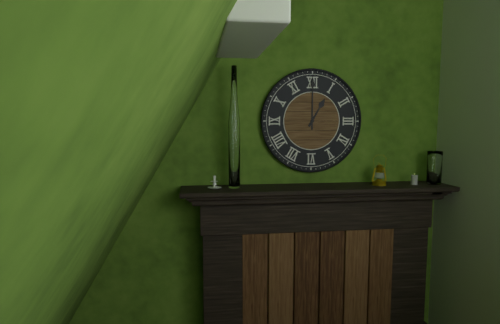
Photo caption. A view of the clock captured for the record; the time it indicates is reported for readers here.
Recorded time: 1:00
